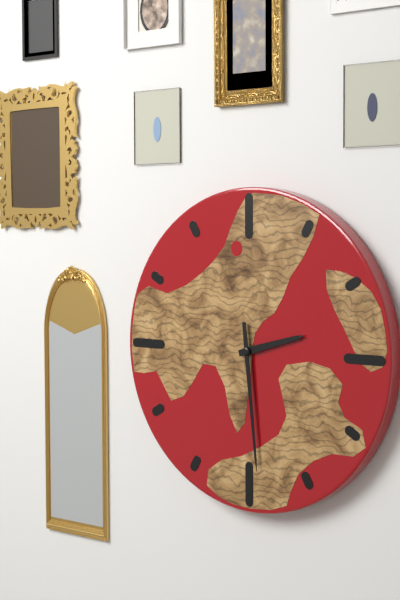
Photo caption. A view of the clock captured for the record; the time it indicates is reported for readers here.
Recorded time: 2:29
